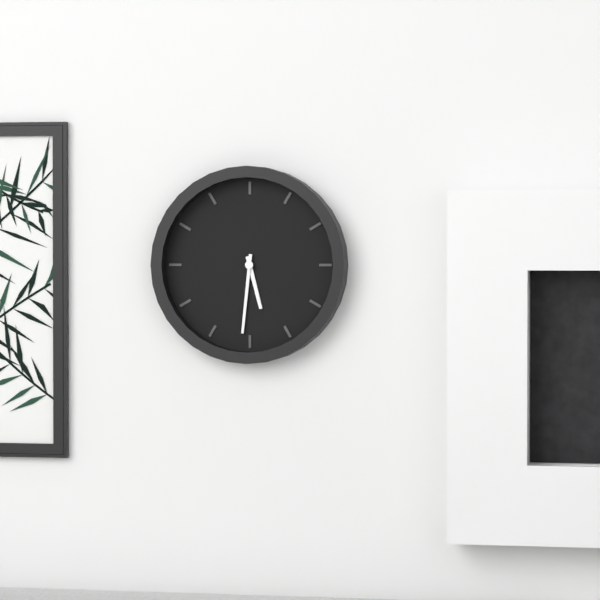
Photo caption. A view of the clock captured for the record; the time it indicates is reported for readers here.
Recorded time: 5:31
